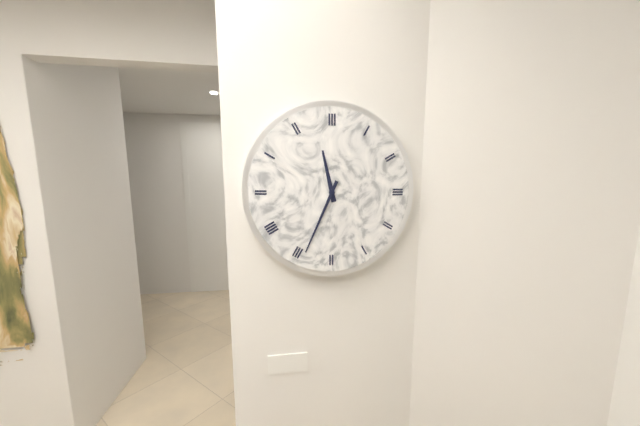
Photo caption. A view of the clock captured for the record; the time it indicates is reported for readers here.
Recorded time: 11:34
